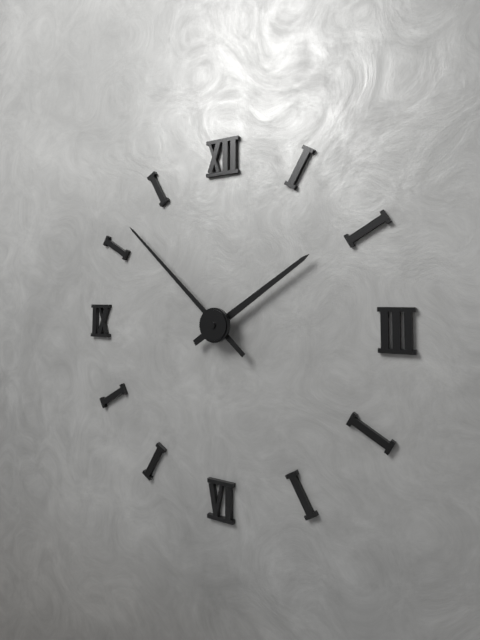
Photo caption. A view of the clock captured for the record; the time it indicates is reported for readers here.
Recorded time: 1:52
